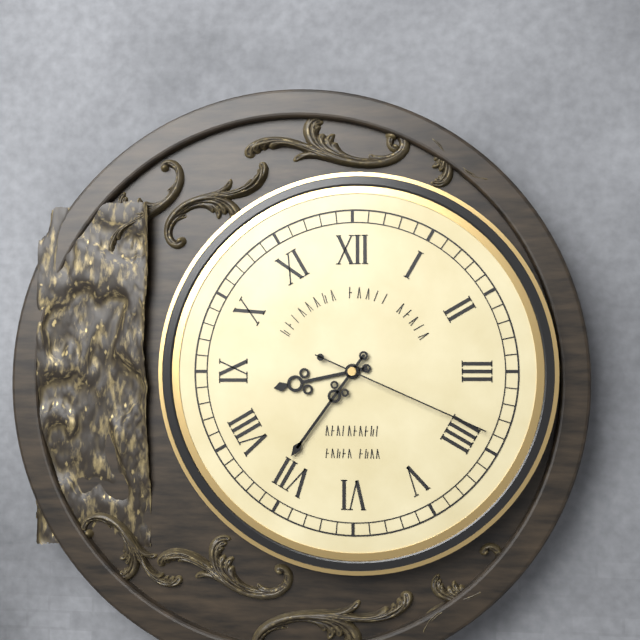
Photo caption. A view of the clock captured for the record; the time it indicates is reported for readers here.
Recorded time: 8:36:19
